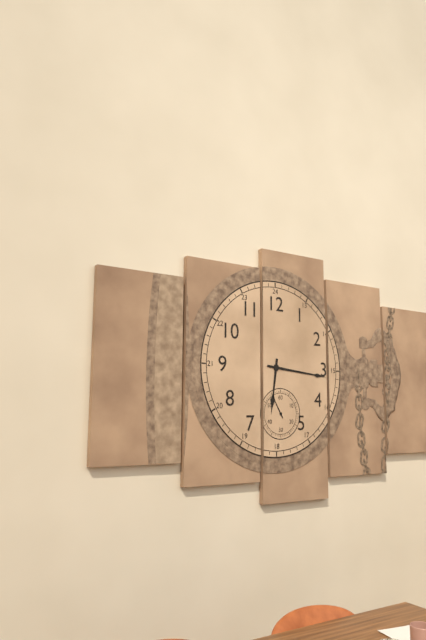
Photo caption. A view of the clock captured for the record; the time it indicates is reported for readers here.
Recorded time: 6:16
